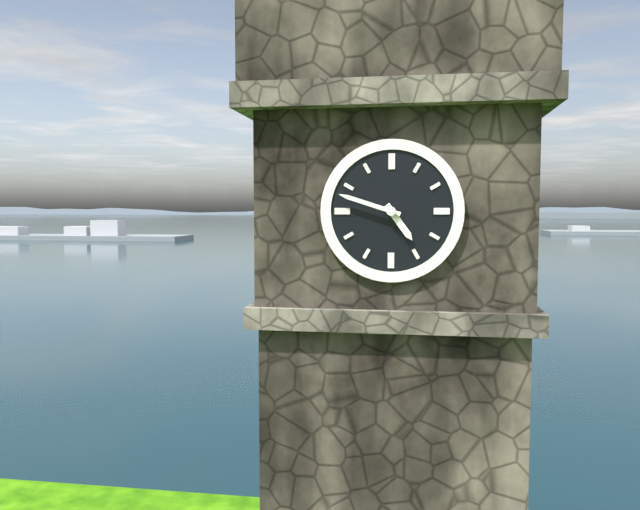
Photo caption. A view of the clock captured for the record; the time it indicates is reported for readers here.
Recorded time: 4:48
